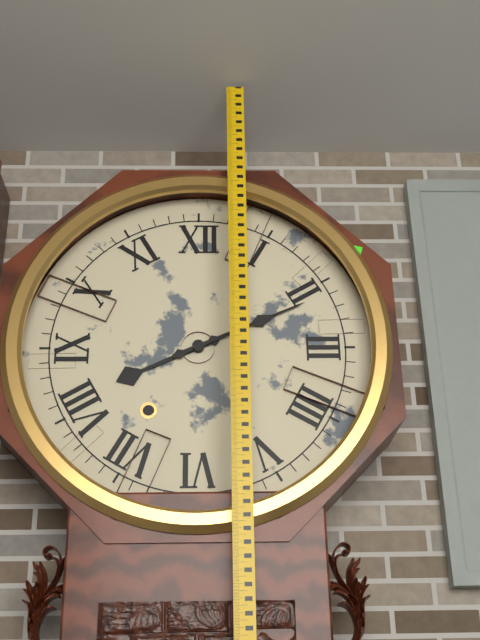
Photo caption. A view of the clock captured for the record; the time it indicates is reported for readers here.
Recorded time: 8:11
